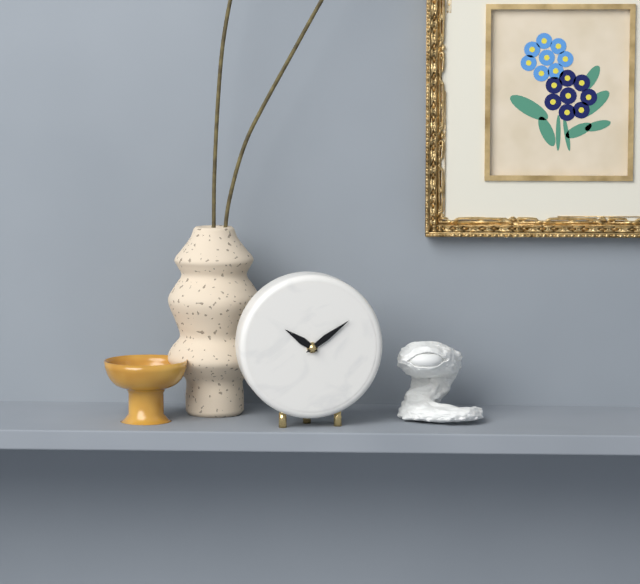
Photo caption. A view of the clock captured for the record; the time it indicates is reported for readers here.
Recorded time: 10:09
